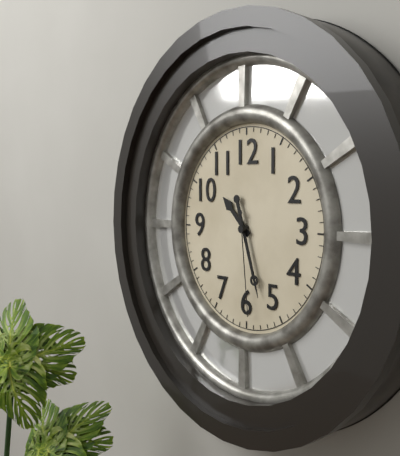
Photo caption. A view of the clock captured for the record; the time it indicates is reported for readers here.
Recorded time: 10:27:29
